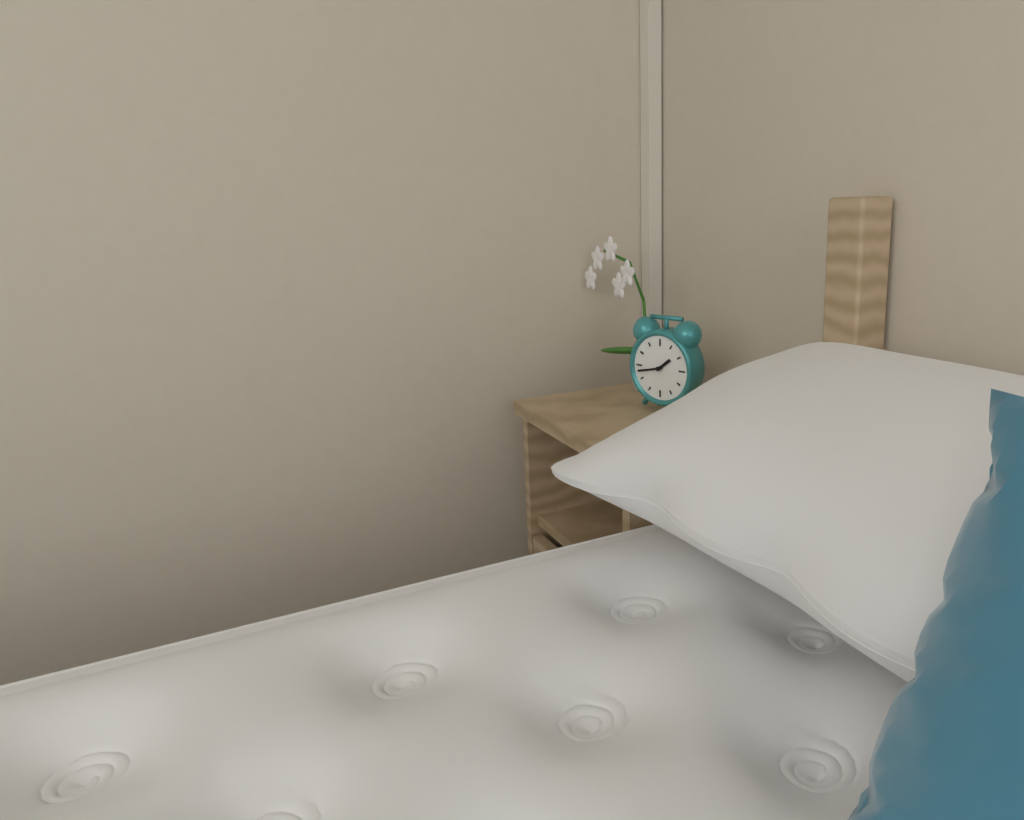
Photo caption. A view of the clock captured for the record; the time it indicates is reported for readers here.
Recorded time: 1:43
